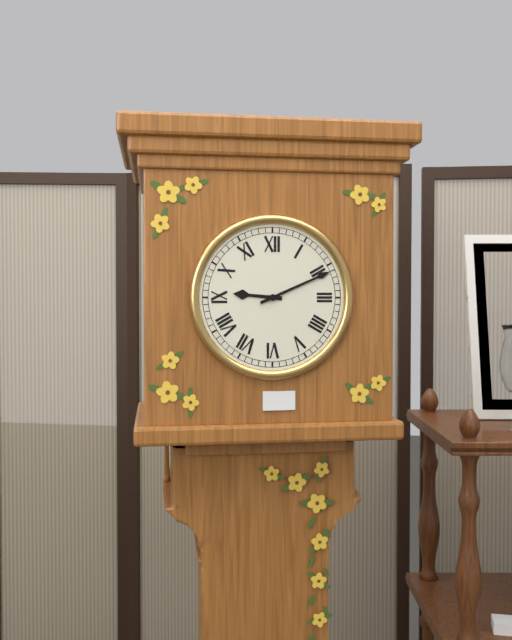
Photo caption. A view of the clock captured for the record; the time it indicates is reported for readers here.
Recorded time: 9:11
